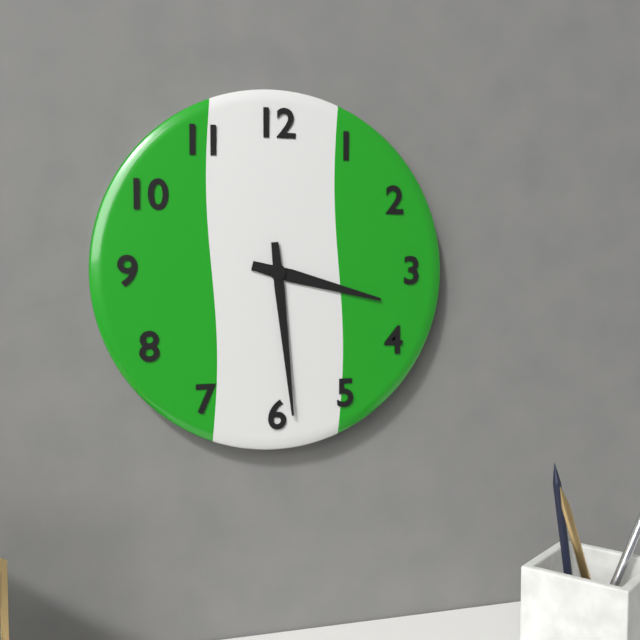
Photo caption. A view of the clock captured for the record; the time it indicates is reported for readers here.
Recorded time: 3:29
